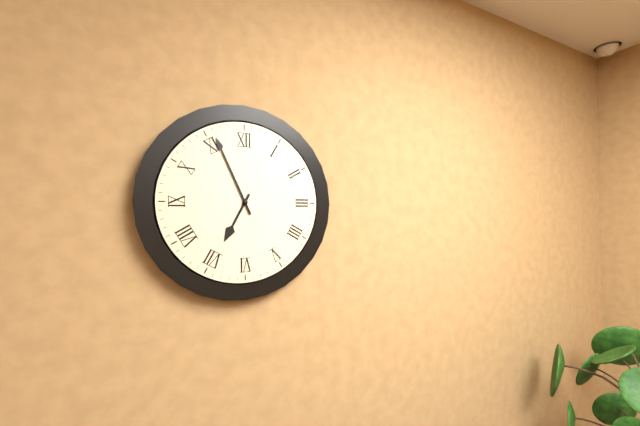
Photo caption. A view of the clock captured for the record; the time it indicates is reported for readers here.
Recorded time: 6:56
